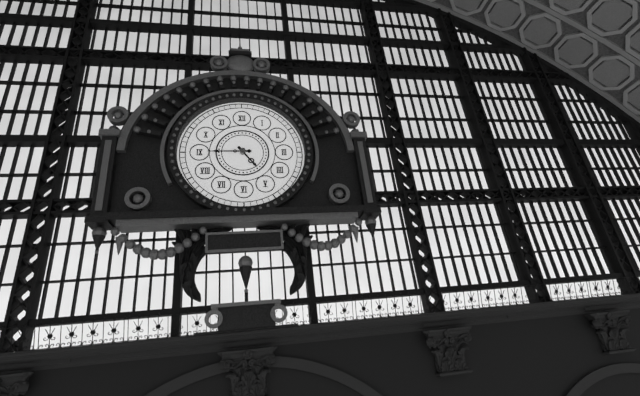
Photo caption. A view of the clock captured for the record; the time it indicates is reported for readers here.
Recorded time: 4:45
